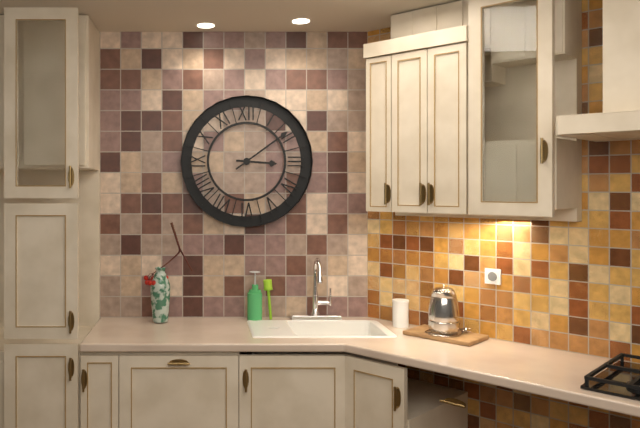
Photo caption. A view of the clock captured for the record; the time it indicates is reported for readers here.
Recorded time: 3:09
